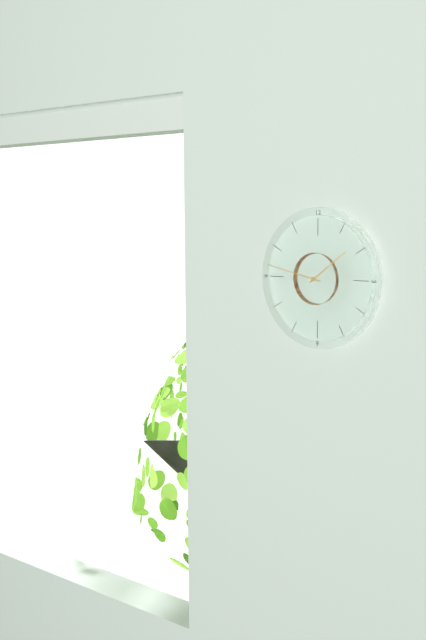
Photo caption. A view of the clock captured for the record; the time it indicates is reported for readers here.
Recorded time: 1:47
